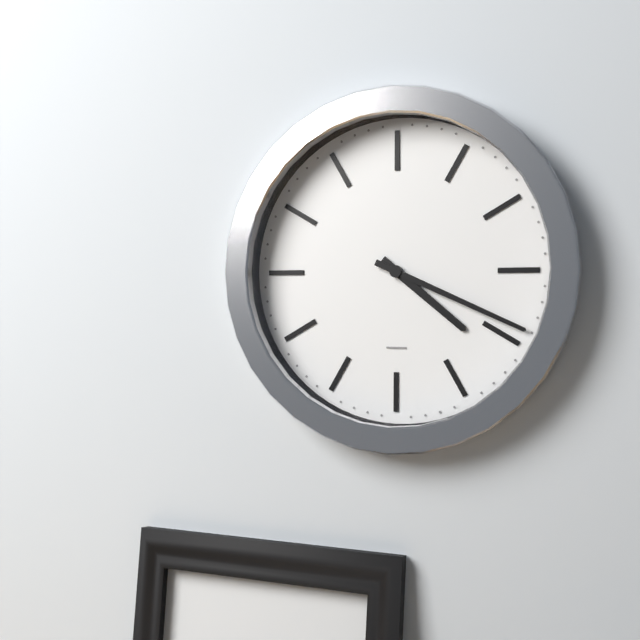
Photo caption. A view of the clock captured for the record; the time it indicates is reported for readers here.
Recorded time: 4:19
